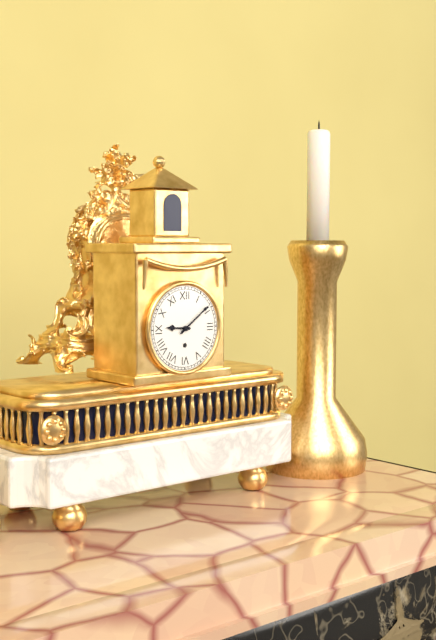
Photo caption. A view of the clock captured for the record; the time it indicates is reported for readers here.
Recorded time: 9:09
